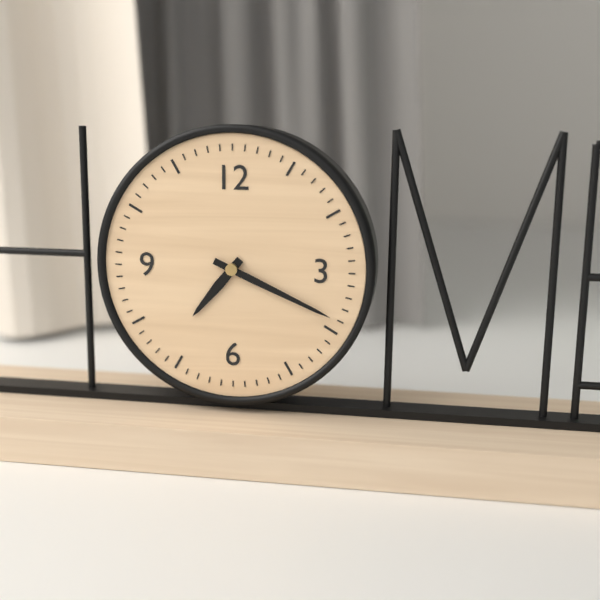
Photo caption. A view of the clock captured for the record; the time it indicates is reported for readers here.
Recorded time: 7:19
